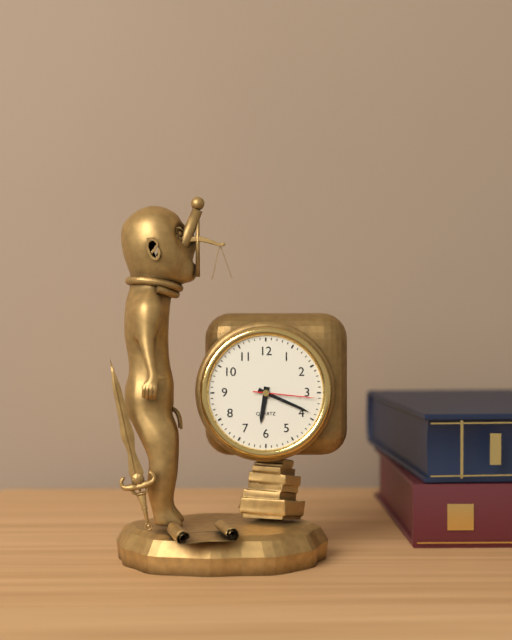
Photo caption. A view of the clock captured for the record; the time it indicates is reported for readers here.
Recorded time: 6:19:16
